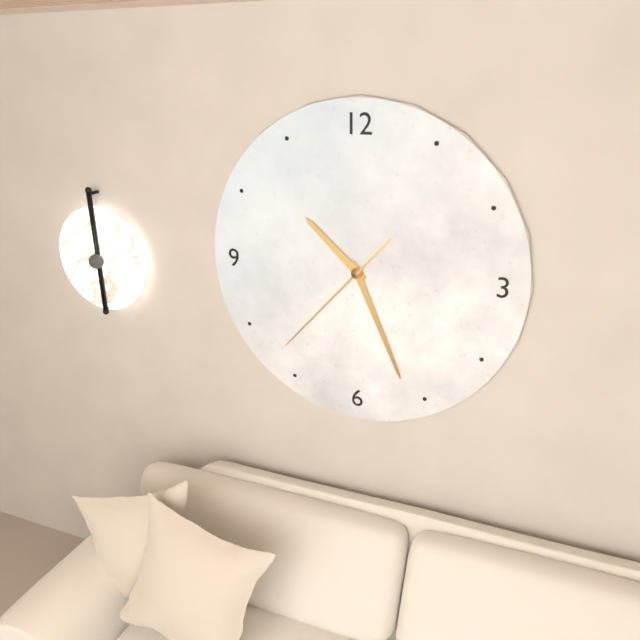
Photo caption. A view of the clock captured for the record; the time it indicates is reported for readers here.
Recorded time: 10:26:37
